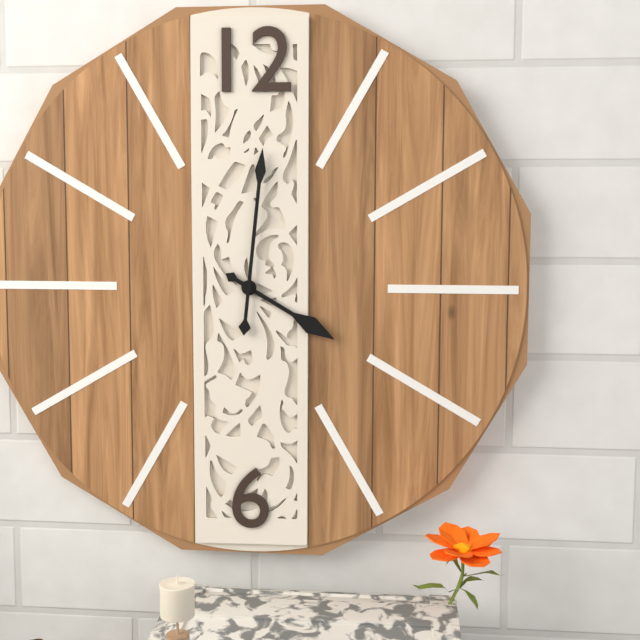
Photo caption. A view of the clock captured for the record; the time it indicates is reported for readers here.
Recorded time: 4:01
